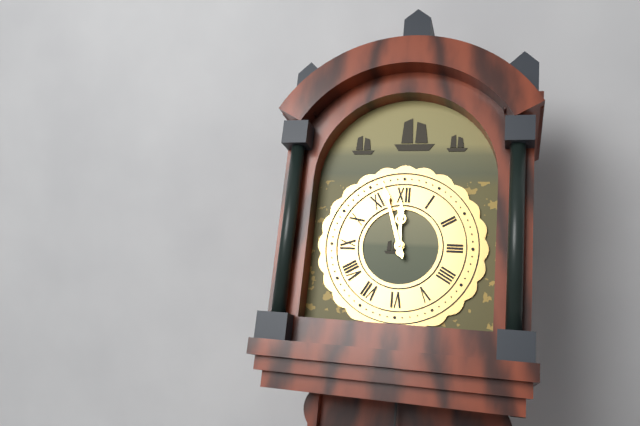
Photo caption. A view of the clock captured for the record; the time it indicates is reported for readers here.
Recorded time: 11:57
